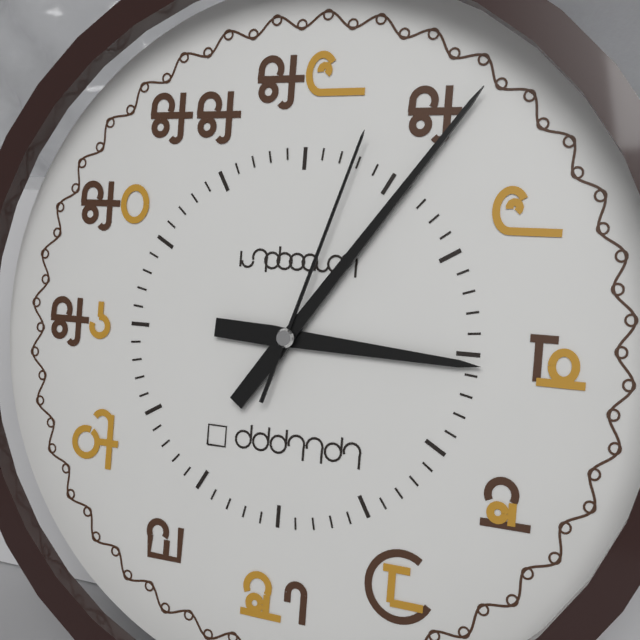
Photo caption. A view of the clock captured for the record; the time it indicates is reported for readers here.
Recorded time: 3:06:03
